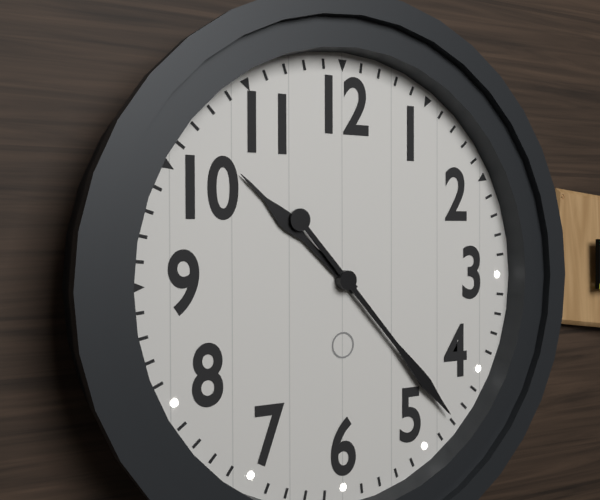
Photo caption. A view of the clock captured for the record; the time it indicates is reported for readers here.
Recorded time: 10:23
